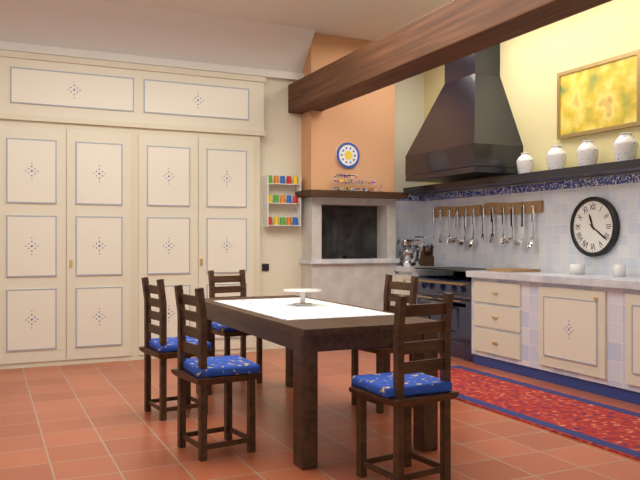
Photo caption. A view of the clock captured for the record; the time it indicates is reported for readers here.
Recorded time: 11:21
